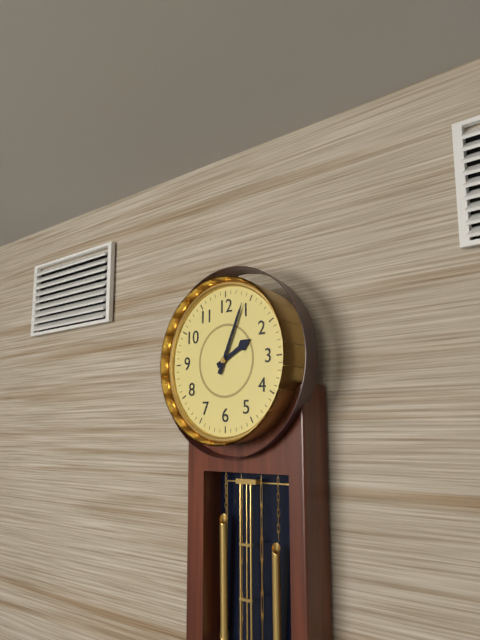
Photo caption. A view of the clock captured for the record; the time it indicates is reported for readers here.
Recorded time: 2:04
